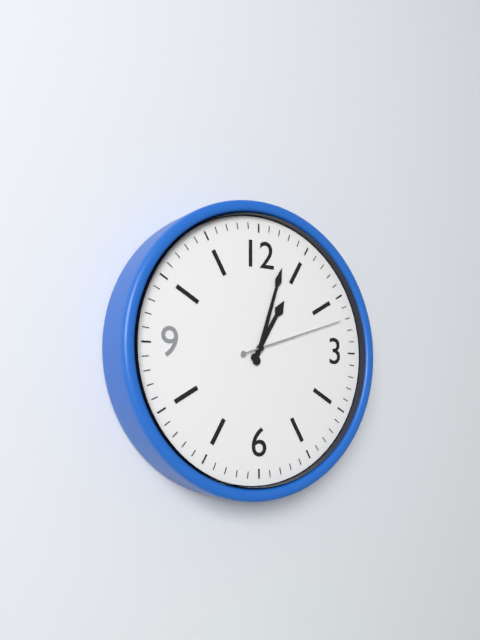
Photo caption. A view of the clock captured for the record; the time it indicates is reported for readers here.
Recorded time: 1:03:12
